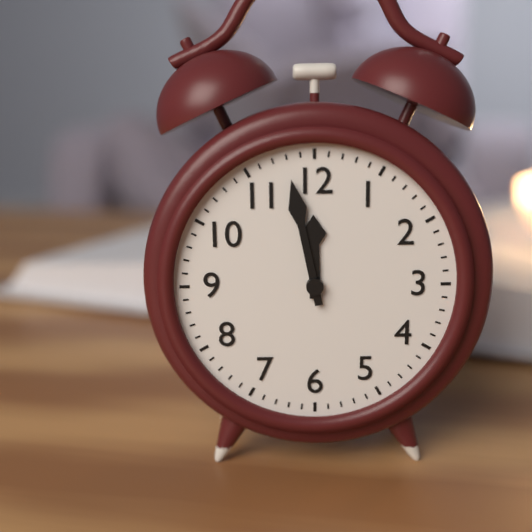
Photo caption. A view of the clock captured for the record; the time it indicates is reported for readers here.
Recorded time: 11:58
